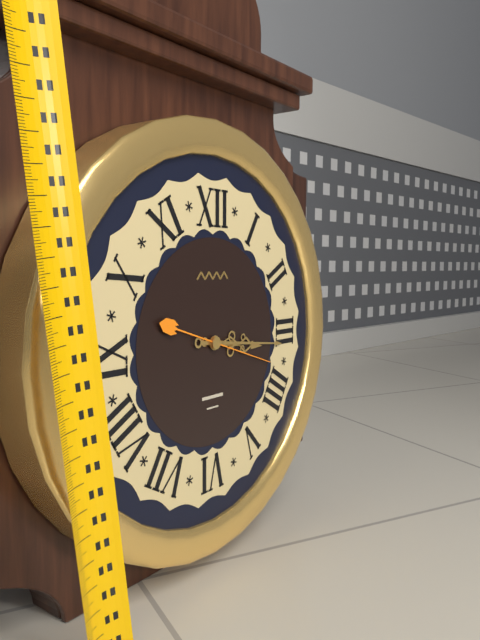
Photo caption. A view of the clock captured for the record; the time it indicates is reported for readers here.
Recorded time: 3:16:18
